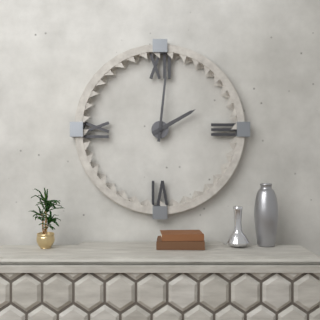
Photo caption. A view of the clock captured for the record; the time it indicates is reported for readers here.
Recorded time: 2:01
